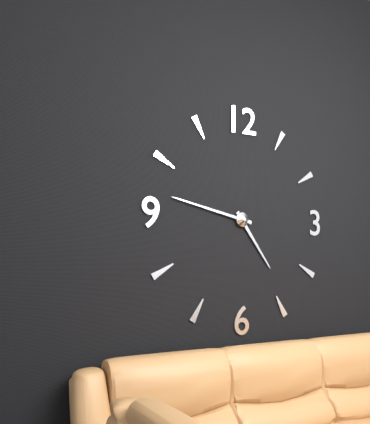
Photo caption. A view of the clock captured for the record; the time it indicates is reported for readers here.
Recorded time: 4:47
